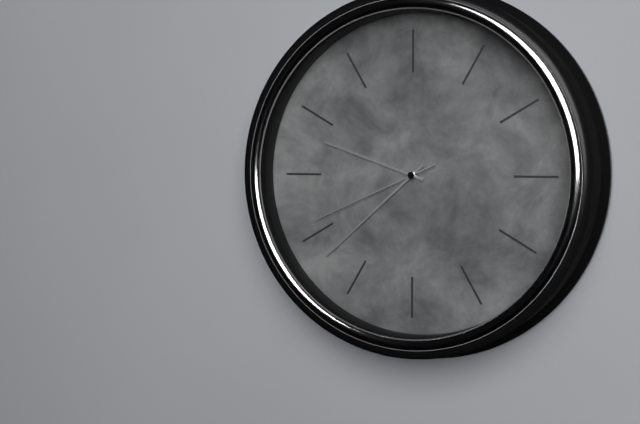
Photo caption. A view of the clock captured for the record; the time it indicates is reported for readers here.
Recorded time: 9:38:41
